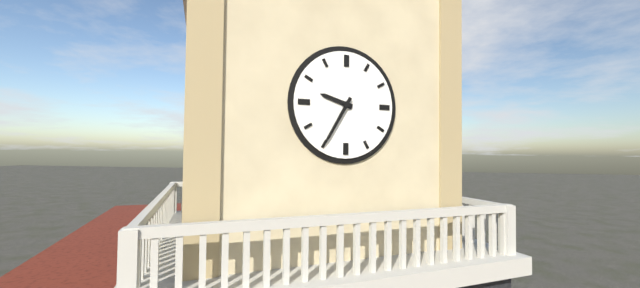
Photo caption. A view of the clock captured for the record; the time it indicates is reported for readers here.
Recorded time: 9:35
